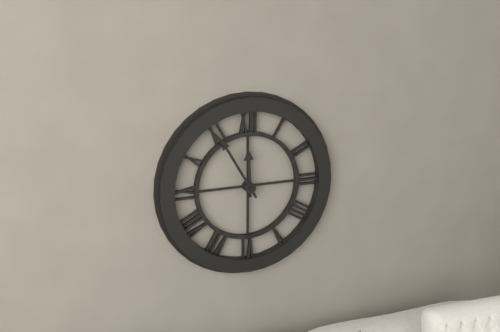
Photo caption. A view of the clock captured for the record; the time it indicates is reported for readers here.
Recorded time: 11:55
